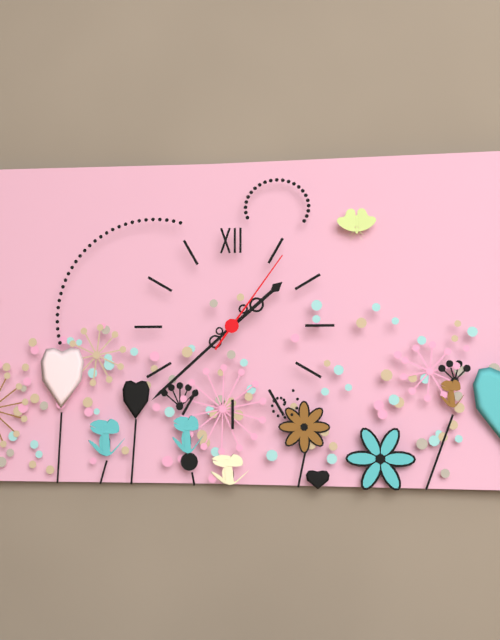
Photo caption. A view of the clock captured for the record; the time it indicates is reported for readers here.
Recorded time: 1:38:06
